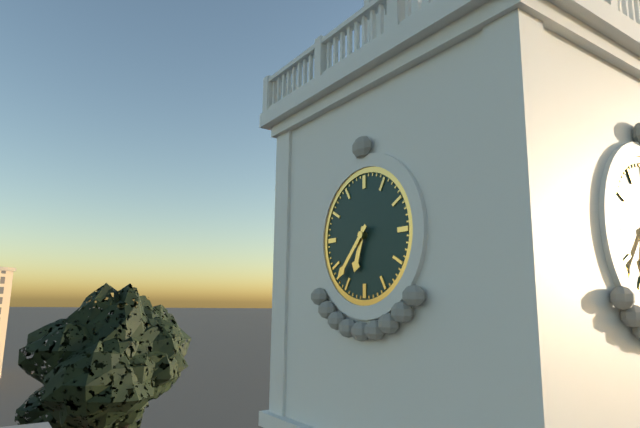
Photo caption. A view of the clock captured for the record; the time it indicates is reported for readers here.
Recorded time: 6:37
